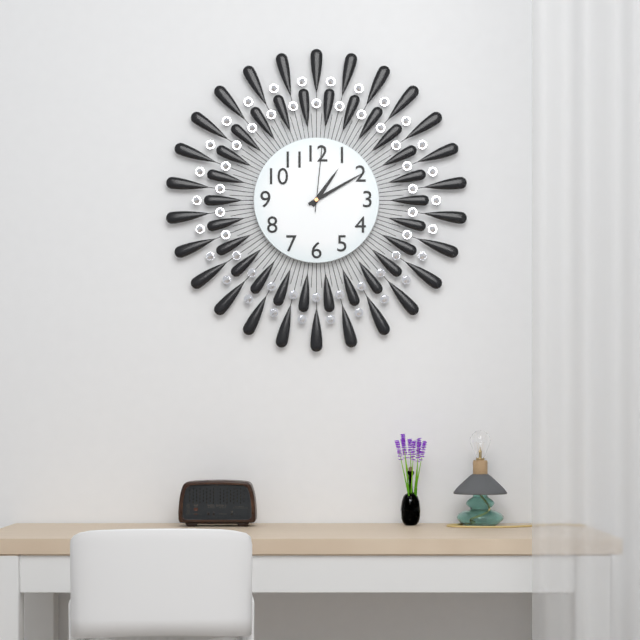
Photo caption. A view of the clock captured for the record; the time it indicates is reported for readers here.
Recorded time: 1:10:01
